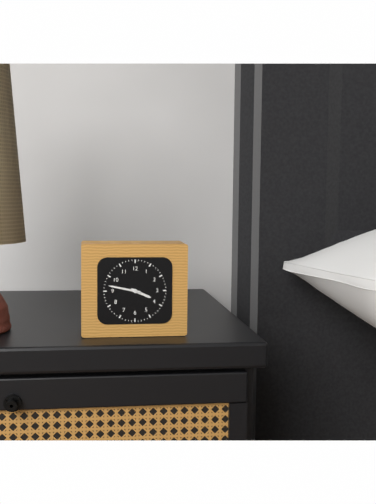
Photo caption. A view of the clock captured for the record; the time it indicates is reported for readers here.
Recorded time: 3:47
